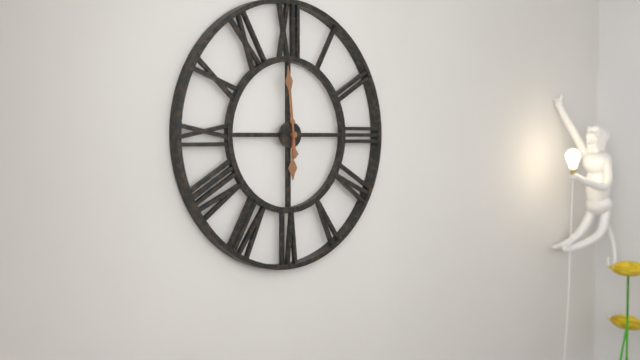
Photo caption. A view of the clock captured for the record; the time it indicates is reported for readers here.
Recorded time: 5:59
